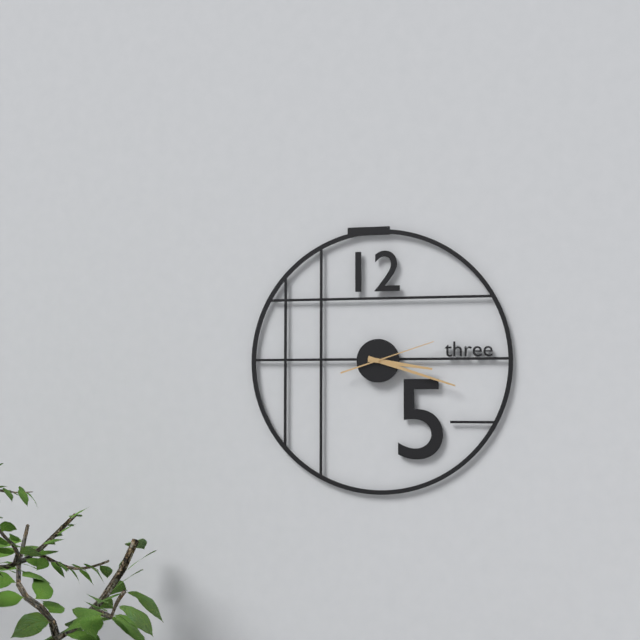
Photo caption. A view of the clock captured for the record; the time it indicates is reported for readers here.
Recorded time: 3:18:12
